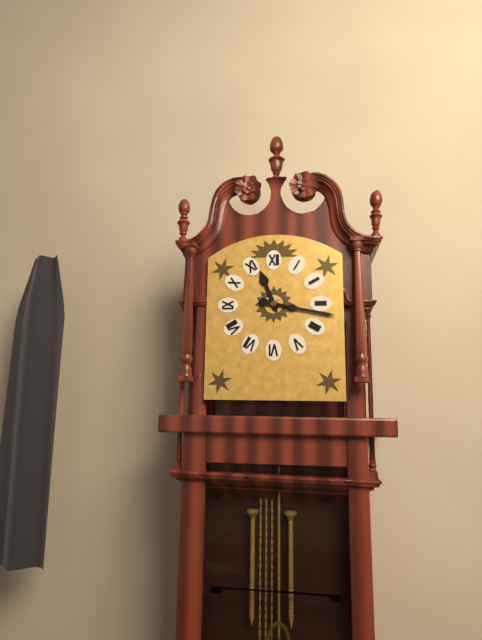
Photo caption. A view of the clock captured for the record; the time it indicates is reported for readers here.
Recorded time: 11:17
